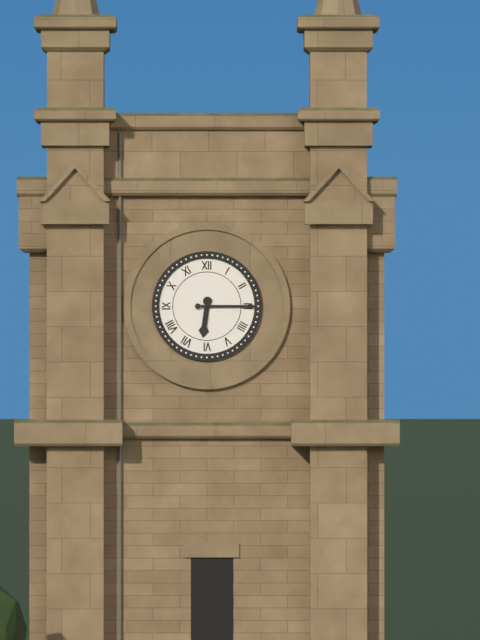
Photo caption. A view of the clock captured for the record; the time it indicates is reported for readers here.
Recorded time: 6:15
